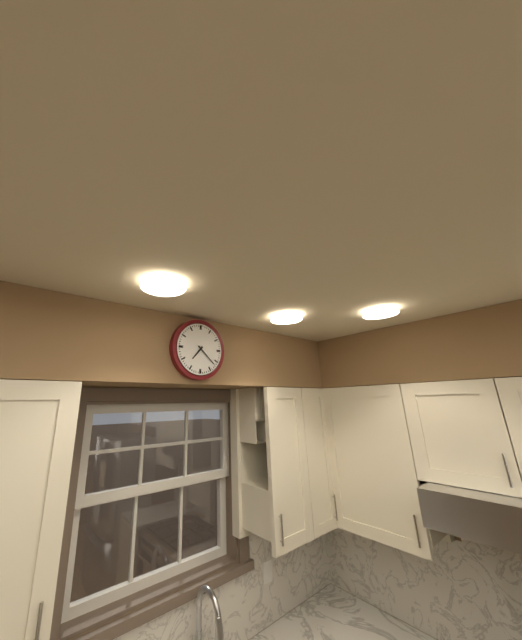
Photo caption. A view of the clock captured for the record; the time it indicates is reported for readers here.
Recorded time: 7:22
